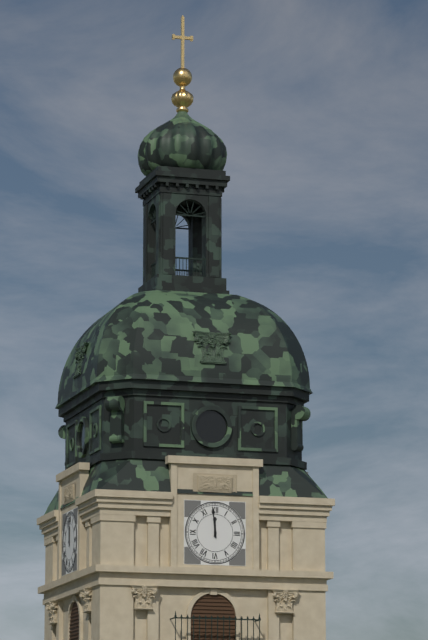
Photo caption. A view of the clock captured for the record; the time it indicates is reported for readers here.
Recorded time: 11:59
